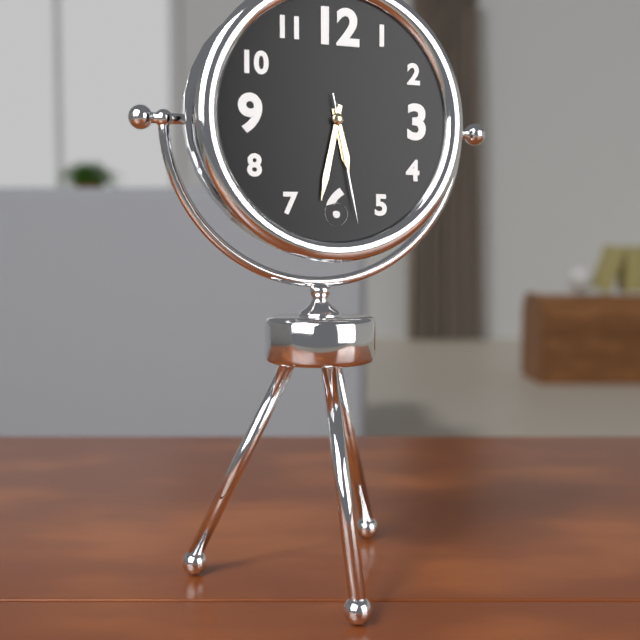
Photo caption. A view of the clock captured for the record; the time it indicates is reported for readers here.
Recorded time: 5:32:28
